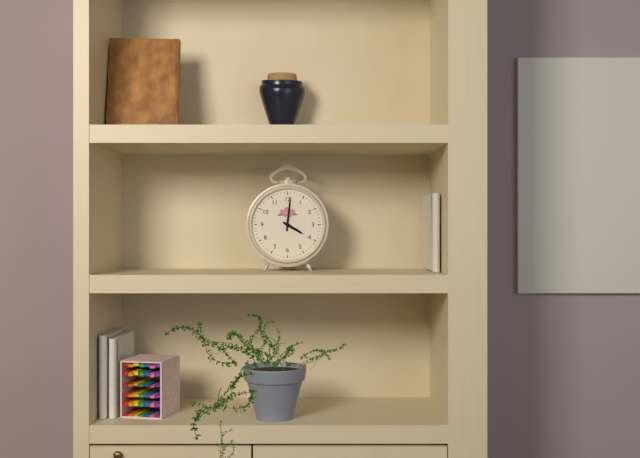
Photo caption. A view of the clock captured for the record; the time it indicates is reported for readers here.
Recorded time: 4:01
